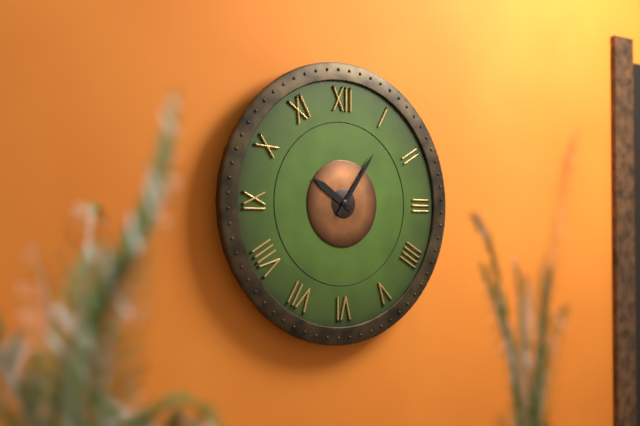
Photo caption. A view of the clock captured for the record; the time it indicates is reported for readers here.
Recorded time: 10:06
